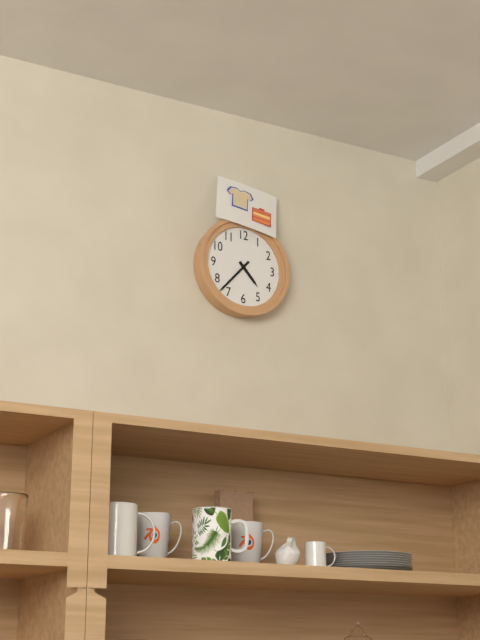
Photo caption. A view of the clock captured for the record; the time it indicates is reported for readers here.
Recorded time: 4:37
